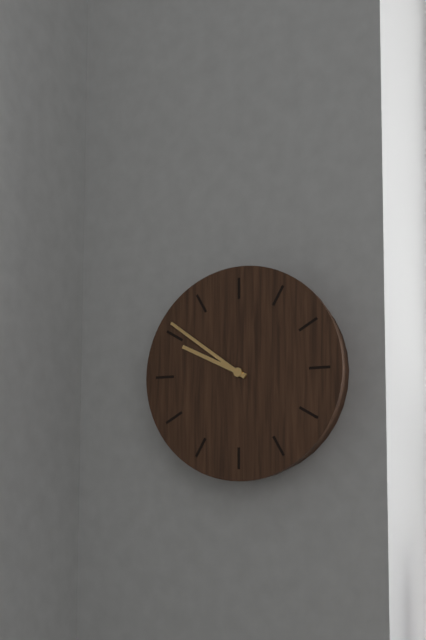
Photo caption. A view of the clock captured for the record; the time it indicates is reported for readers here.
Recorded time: 9:51
